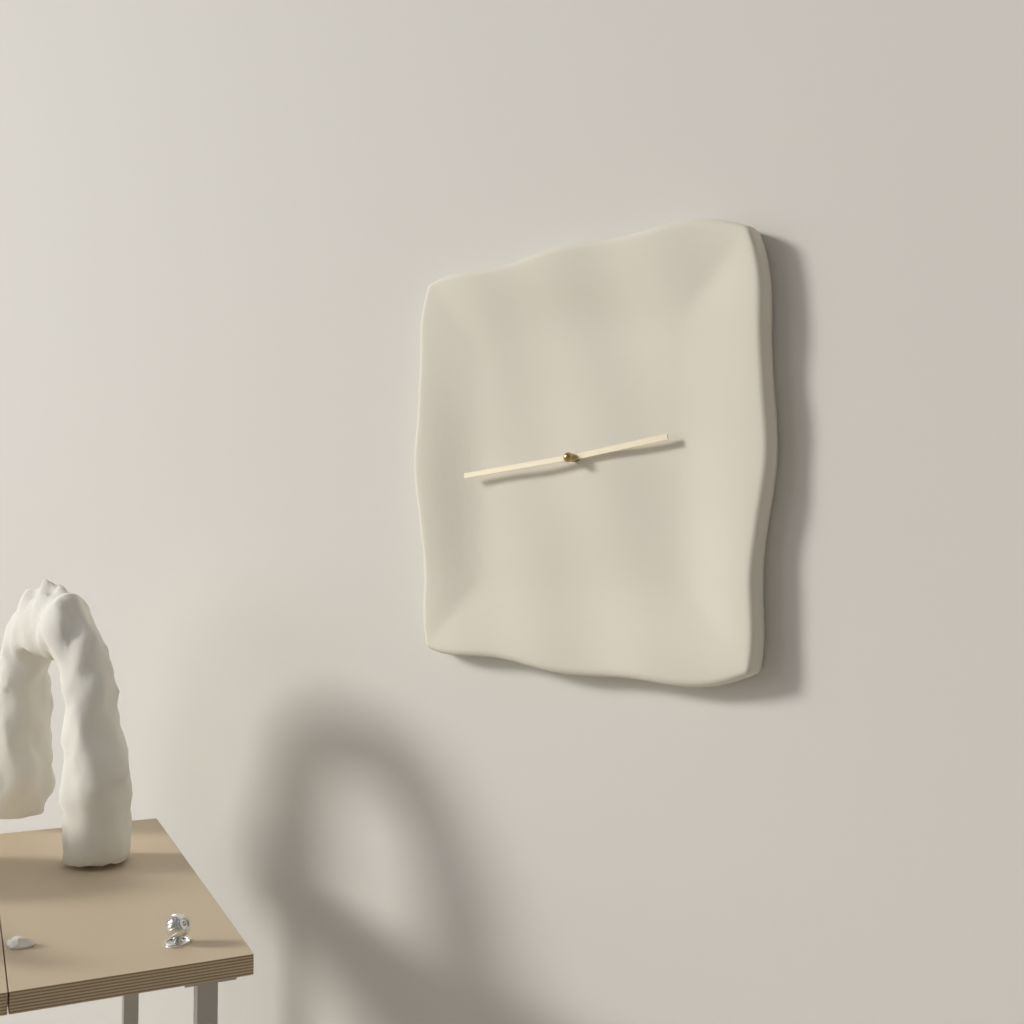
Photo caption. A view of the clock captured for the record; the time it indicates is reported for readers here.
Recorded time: 2:44
